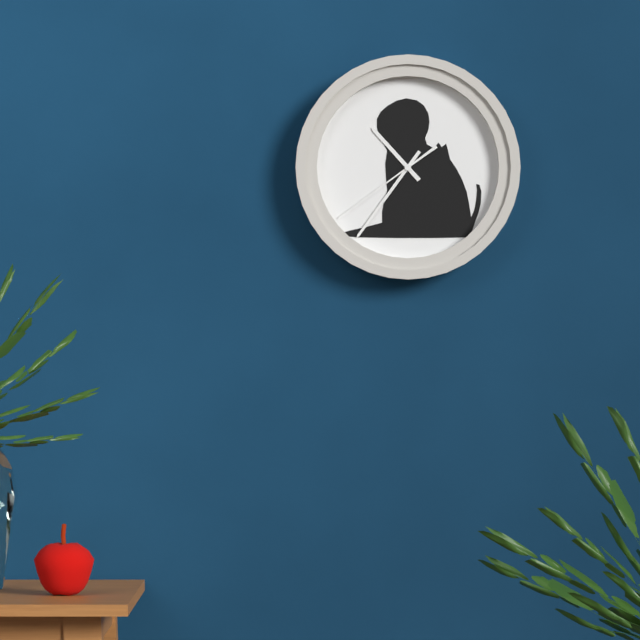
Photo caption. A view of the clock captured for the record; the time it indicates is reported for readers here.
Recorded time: 10:36:39
